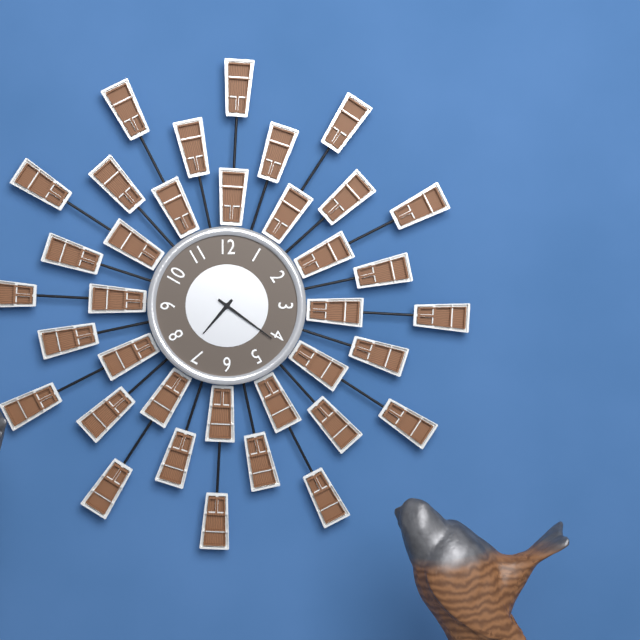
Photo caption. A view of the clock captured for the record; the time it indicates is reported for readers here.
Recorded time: 7:21
